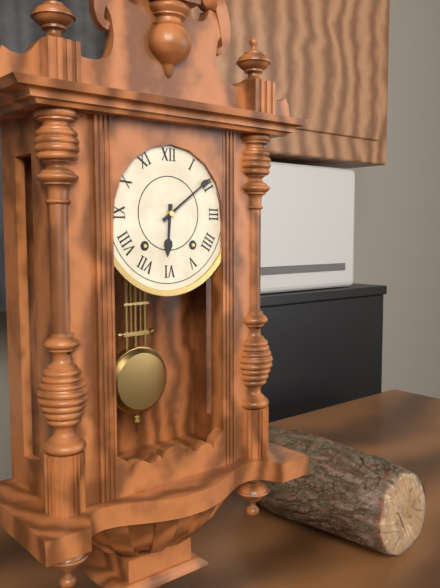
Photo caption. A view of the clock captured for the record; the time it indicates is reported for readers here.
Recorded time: 6:09
